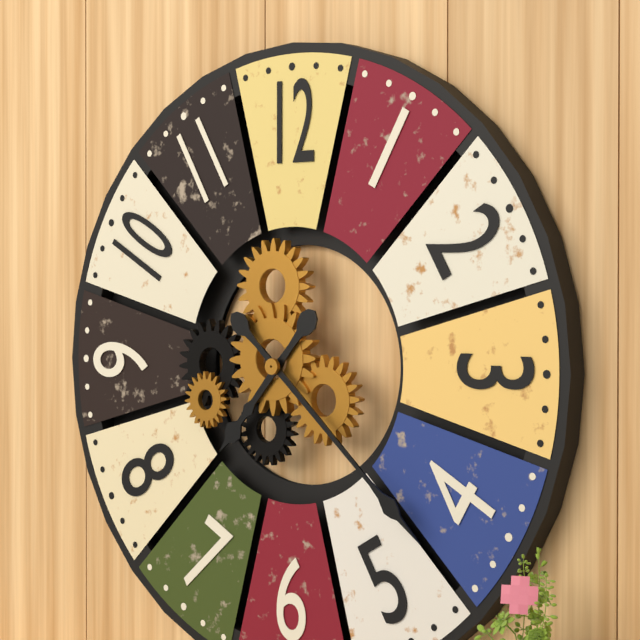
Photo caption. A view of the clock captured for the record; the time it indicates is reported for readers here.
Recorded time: 7:22
